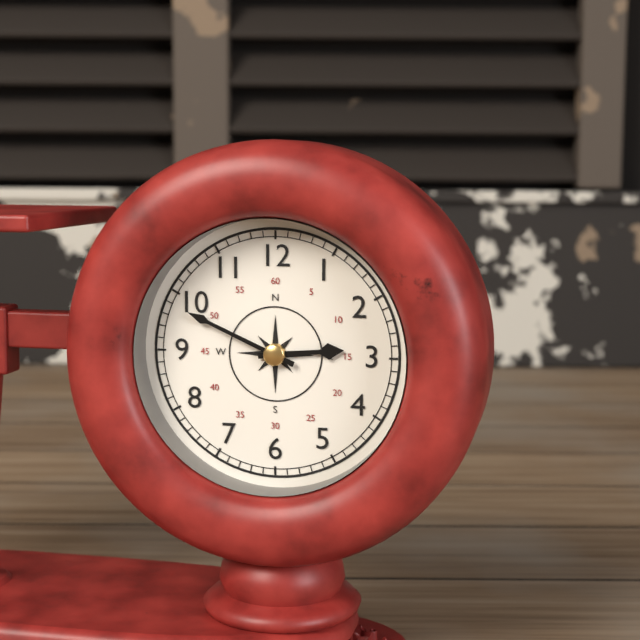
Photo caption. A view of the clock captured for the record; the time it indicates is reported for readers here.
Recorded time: 2:49
